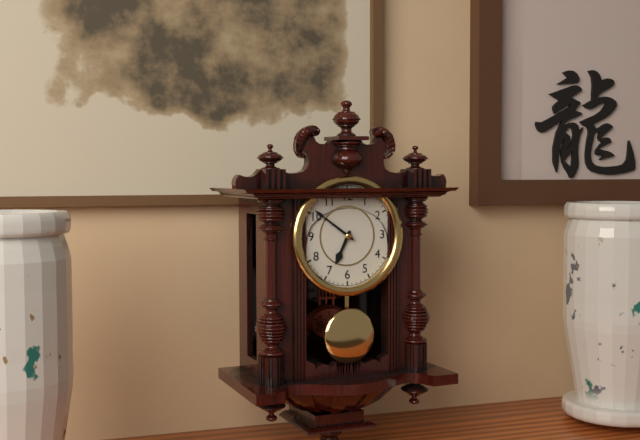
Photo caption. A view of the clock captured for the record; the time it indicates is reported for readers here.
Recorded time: 6:51
